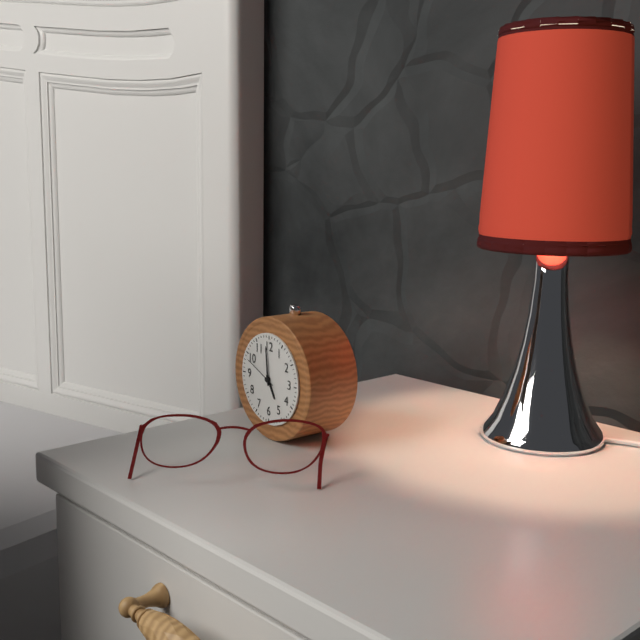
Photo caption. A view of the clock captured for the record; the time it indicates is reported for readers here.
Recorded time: 4:59
